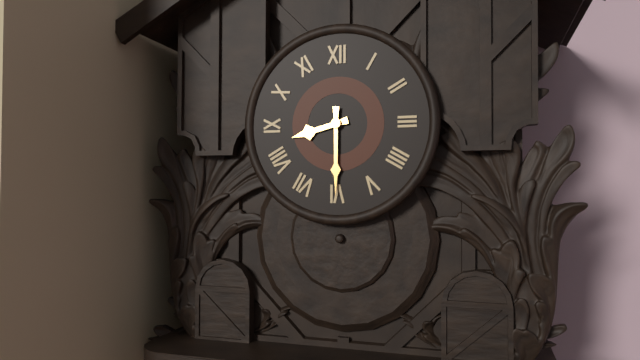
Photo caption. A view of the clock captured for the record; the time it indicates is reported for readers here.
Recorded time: 8:30
